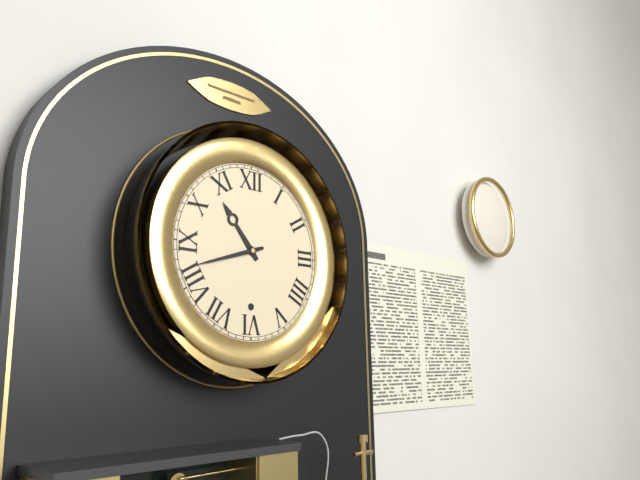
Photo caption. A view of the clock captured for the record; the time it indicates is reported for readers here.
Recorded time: 10:42
